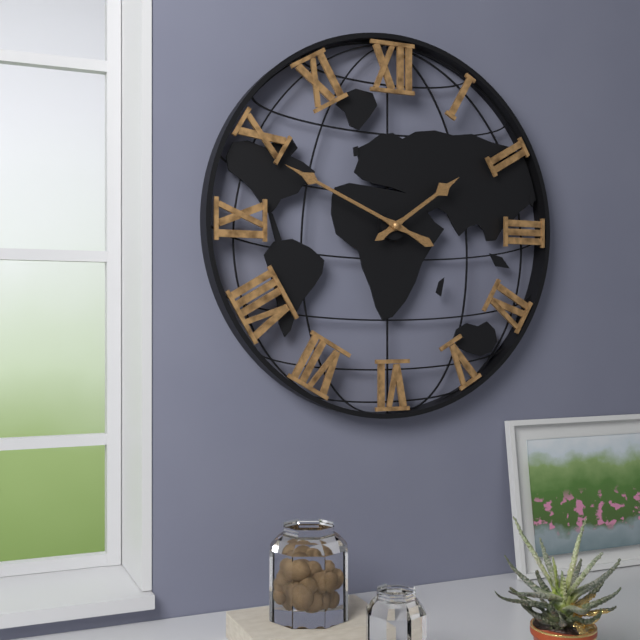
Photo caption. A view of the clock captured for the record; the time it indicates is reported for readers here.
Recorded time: 1:49
